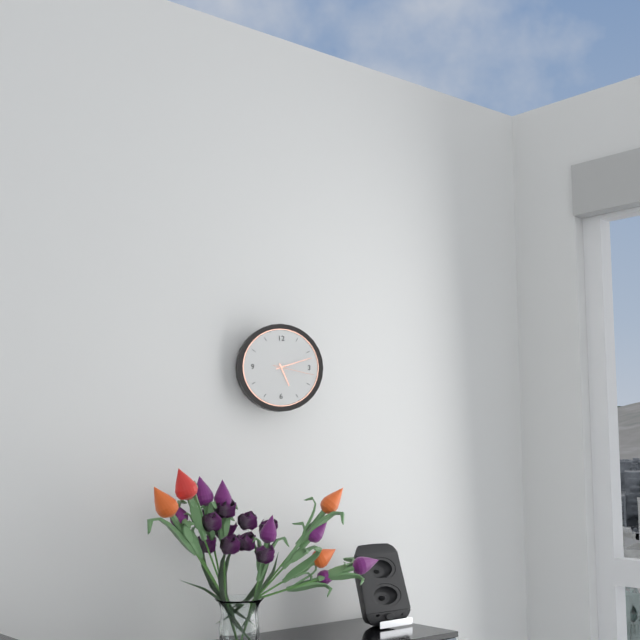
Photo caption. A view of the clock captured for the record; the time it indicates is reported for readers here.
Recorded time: 5:12
